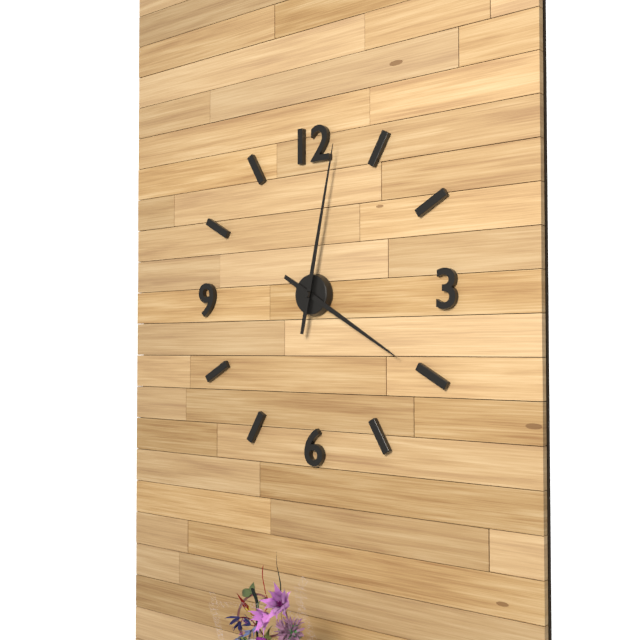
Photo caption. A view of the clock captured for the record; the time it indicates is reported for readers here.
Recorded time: 4:02
